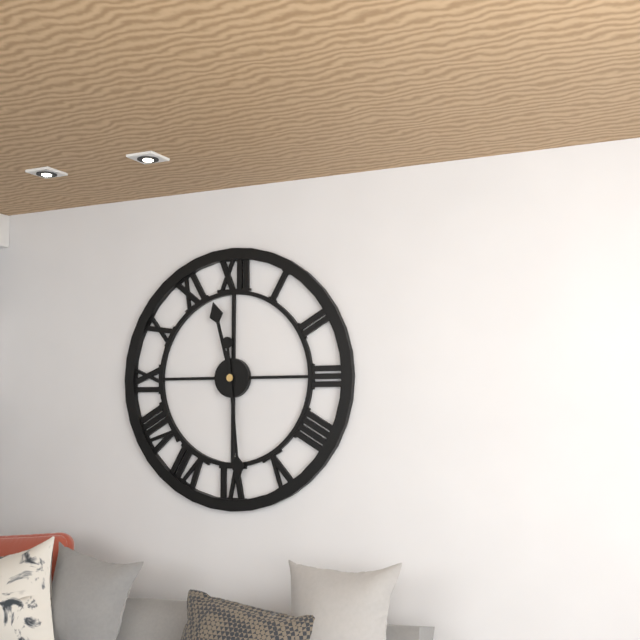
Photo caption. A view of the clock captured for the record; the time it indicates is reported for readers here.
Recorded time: 11:29
